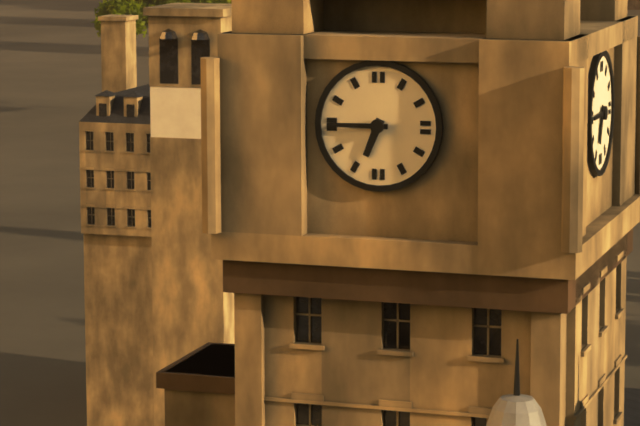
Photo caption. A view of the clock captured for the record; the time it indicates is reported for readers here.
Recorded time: 6:45
